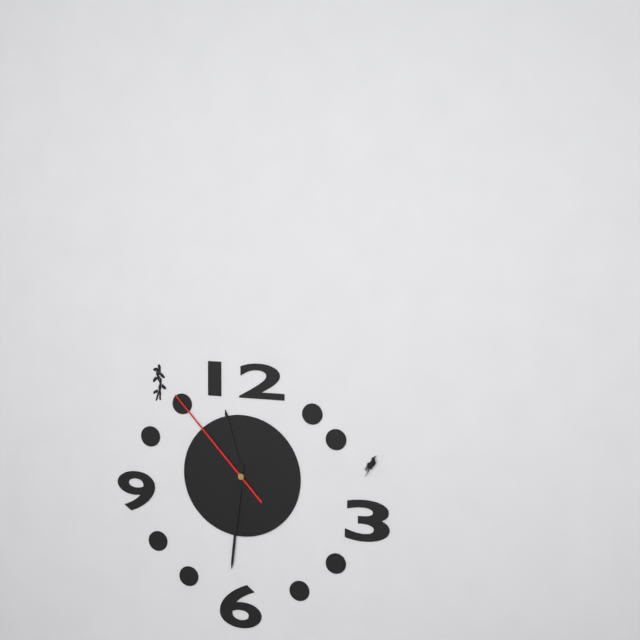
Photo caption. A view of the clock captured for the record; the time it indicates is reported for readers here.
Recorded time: 11:31:53
